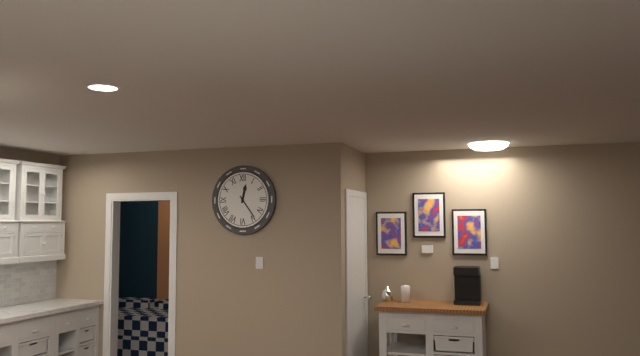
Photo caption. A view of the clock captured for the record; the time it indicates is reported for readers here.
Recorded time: 12:24
